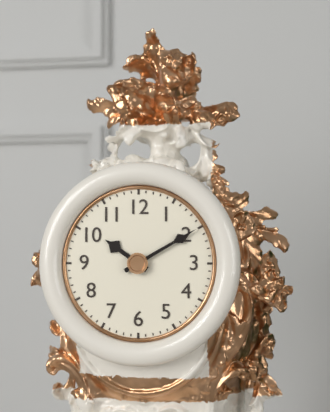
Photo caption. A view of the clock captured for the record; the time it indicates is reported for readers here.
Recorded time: 10:10
